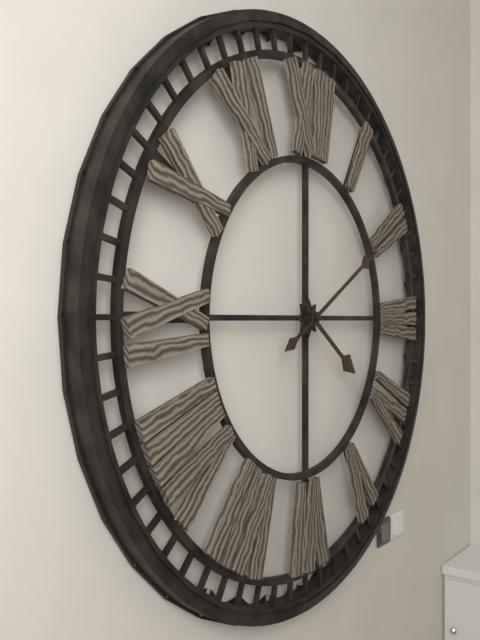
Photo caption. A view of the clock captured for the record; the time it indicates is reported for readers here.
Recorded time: 4:10
